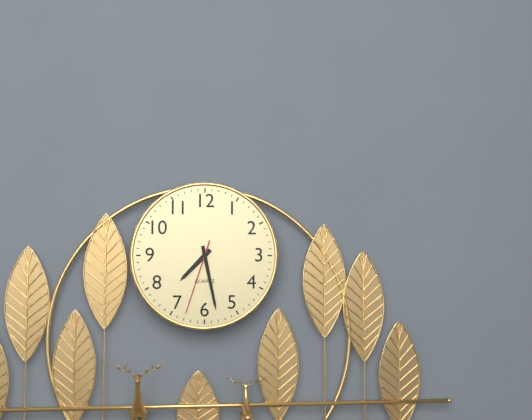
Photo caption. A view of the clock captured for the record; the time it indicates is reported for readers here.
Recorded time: 7:28:33
